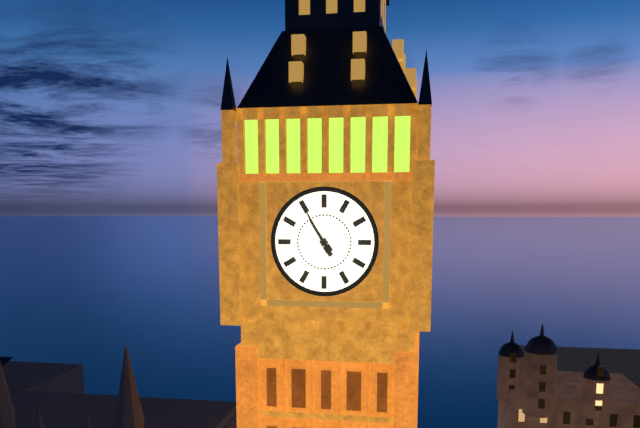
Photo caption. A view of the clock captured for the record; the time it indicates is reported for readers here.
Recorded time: 10:55
